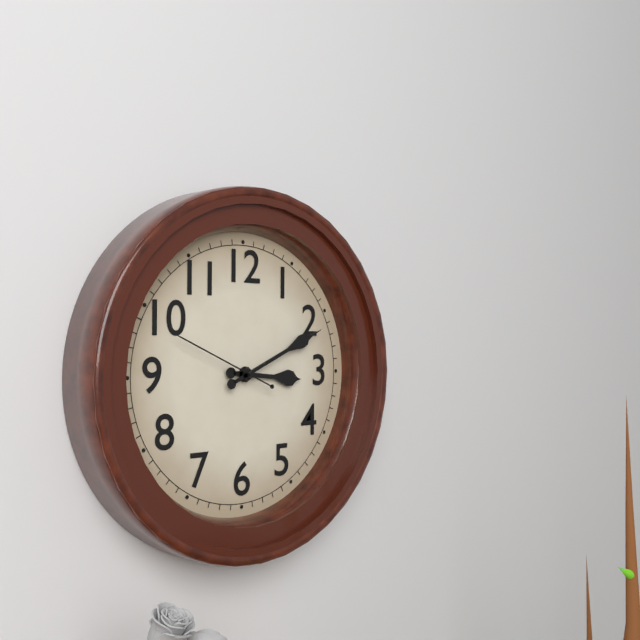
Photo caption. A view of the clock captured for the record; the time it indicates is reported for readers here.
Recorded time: 3:11:49
